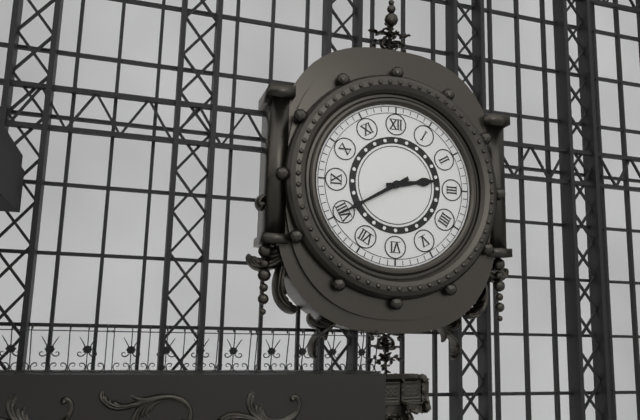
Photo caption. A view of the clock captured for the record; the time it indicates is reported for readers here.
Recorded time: 2:40
